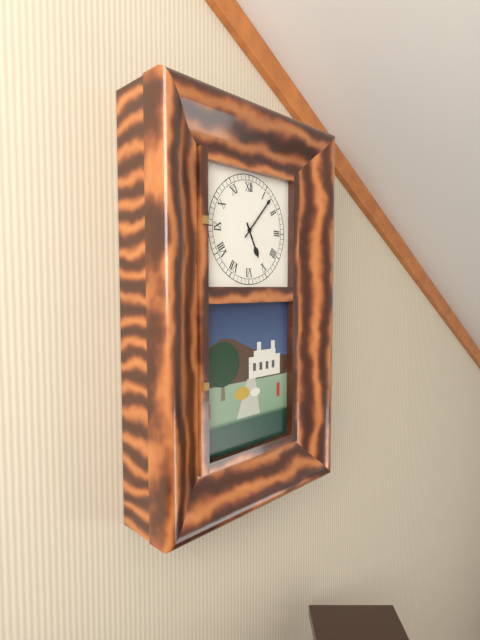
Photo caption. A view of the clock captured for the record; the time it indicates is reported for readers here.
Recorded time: 5:07
